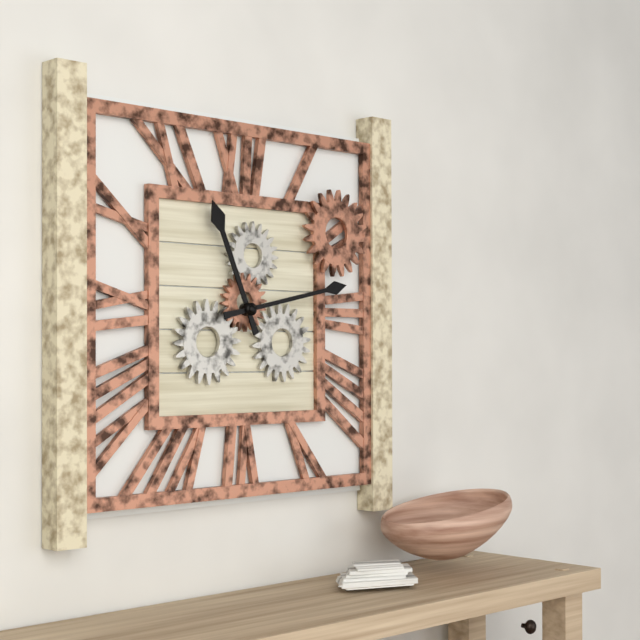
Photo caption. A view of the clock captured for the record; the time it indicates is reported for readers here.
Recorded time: 11:13
